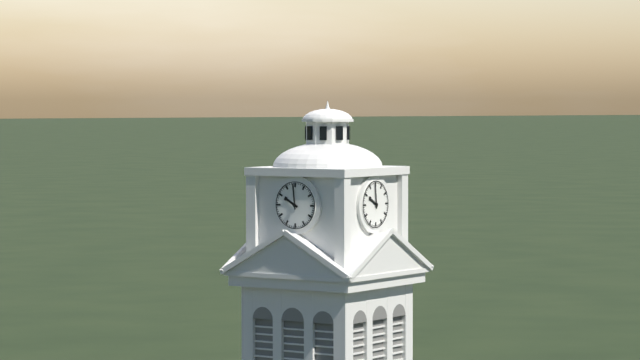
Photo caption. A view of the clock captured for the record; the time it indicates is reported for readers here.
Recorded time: 9:59
